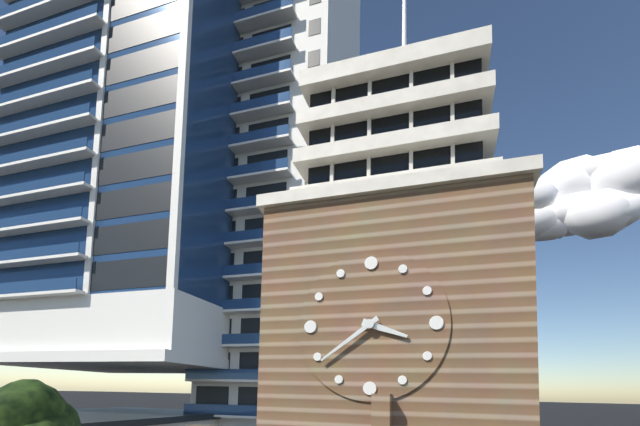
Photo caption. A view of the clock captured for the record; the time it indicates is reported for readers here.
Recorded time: 3:39
